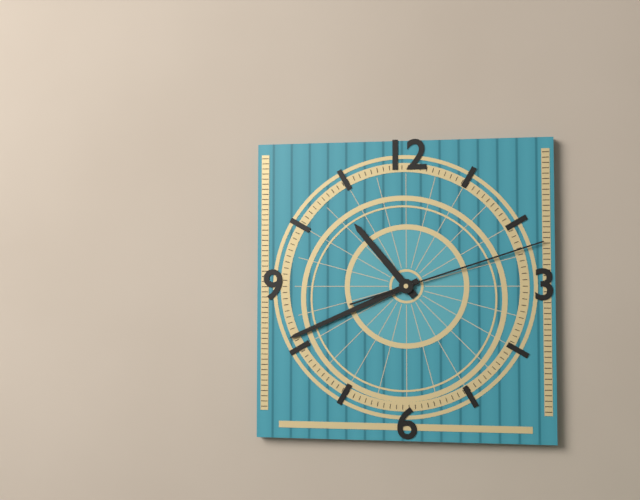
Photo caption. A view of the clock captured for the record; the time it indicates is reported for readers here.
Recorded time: 10:41:12
